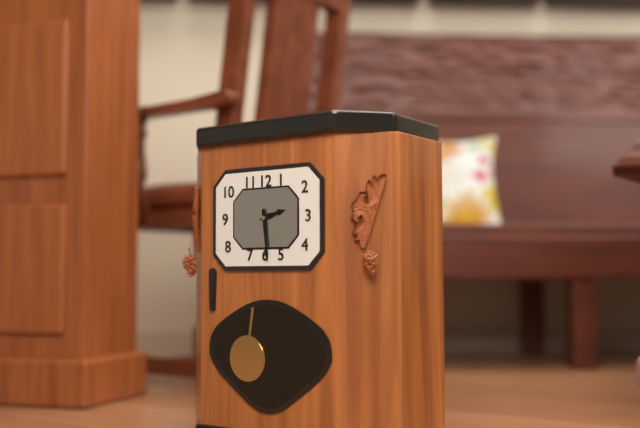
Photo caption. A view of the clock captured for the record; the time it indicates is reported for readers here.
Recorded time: 2:29
